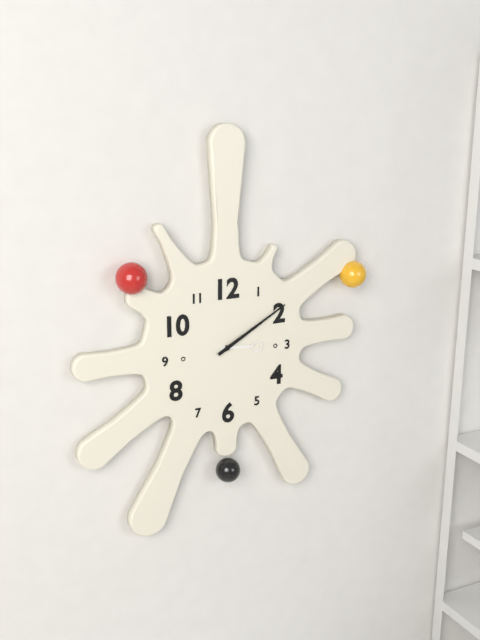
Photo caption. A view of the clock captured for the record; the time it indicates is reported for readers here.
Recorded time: 3:10
